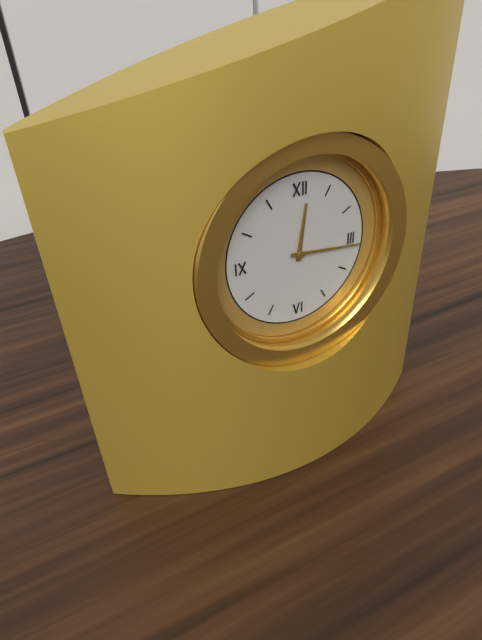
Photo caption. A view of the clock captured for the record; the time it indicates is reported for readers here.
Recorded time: 12:16
